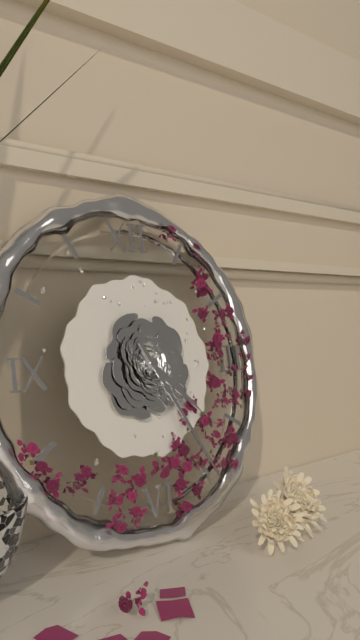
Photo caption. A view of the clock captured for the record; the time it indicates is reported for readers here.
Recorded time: 4:25
